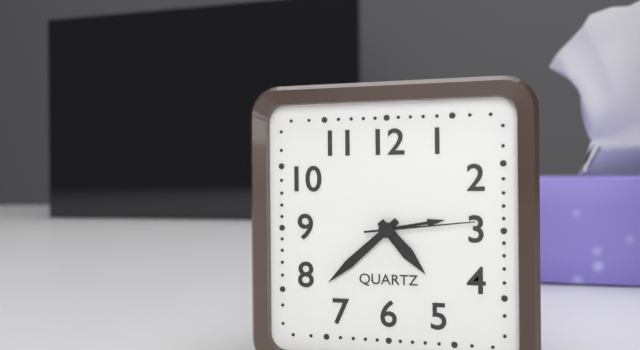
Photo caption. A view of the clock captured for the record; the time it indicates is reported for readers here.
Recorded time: 4:38:14
